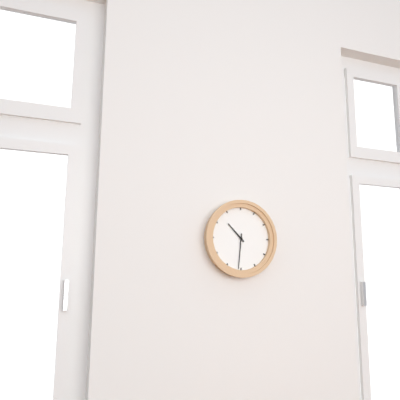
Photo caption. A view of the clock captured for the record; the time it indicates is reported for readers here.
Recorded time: 10:31
